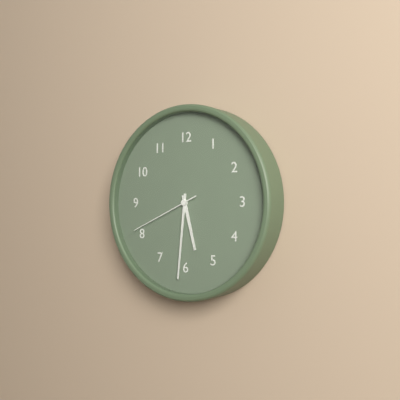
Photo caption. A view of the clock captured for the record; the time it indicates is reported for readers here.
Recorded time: 5:31:41
